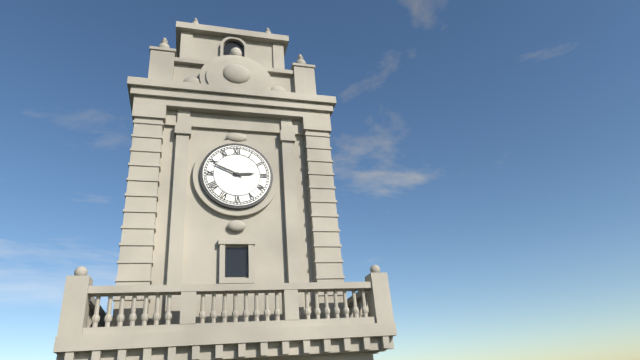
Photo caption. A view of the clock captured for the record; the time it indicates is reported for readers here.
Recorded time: 2:49
